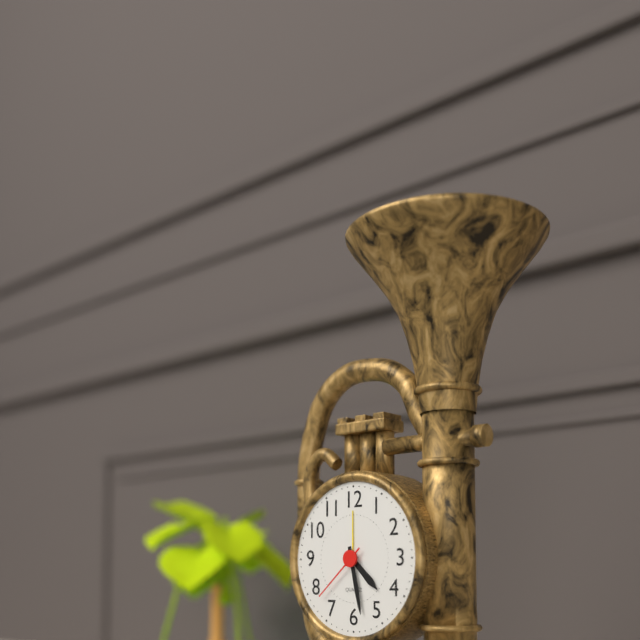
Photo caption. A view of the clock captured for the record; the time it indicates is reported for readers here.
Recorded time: 4:28:38
